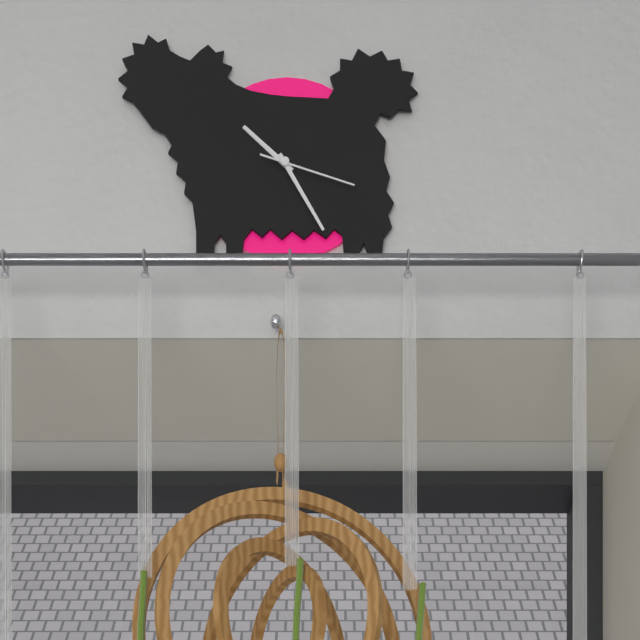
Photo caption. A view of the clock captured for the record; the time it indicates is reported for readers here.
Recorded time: 10:25:18
